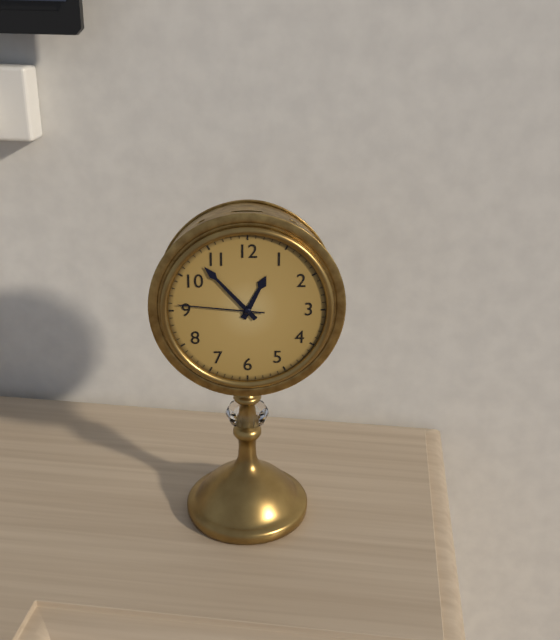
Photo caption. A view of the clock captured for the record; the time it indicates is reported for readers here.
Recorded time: 12:53:46
